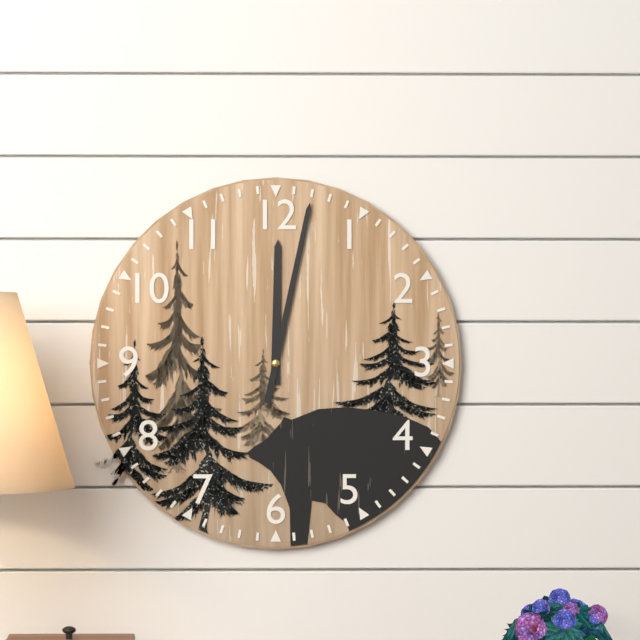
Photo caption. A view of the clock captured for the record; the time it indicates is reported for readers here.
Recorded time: 12:02
